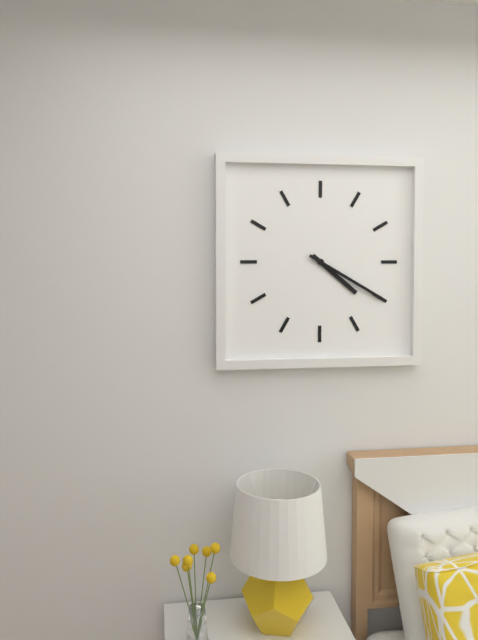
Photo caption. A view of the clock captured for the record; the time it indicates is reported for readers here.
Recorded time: 4:20
